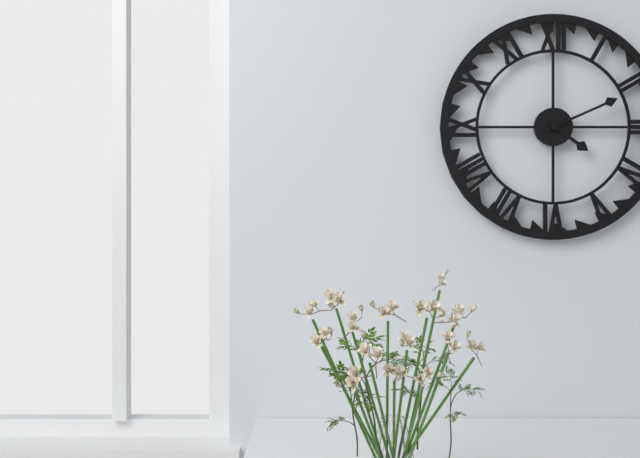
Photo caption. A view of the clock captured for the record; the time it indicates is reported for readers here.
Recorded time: 4:11
